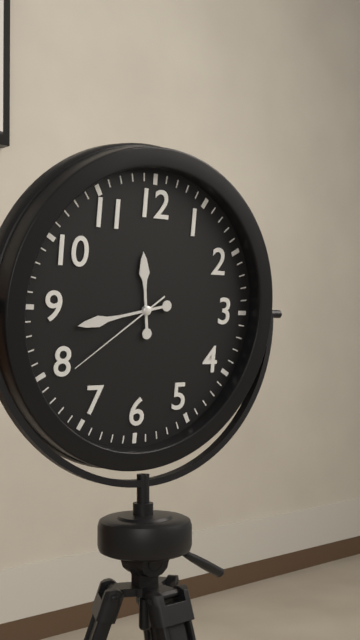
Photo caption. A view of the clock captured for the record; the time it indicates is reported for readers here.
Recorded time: 11:43:39
